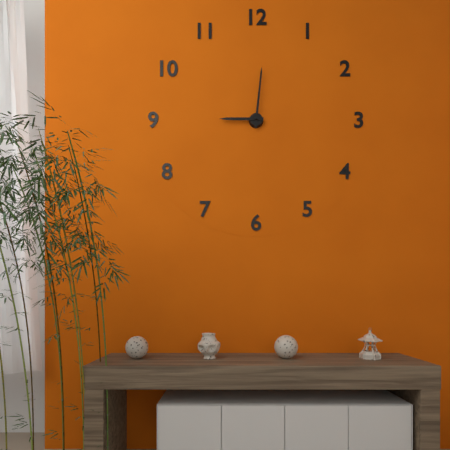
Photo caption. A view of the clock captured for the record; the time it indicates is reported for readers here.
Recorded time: 9:01
